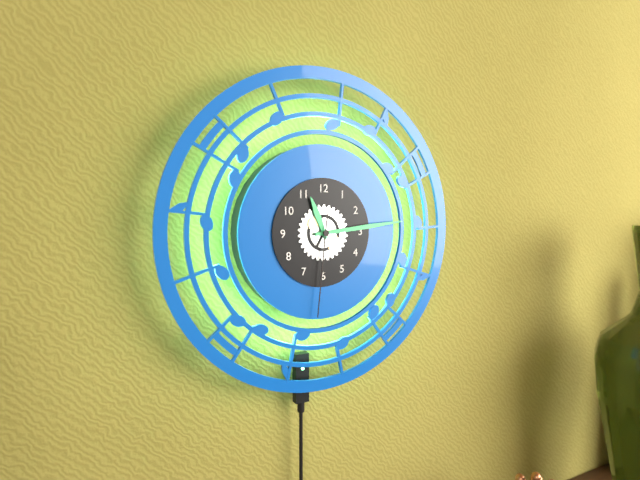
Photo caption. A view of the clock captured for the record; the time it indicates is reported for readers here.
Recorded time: 11:14:31
